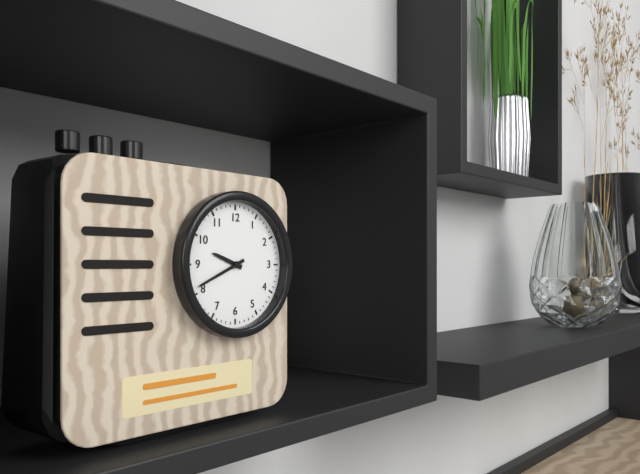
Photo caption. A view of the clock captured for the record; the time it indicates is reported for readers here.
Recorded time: 9:41
